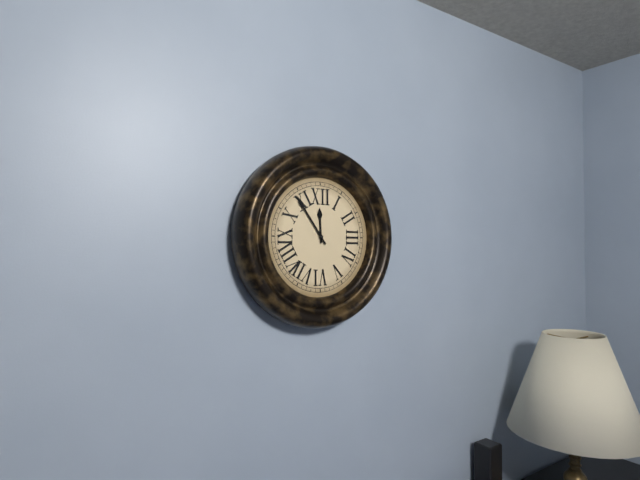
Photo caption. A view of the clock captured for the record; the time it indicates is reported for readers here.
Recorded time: 11:54
